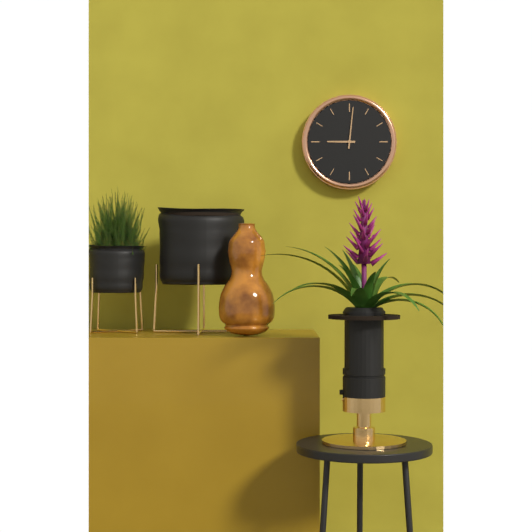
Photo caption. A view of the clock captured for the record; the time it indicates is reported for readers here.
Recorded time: 9:01
